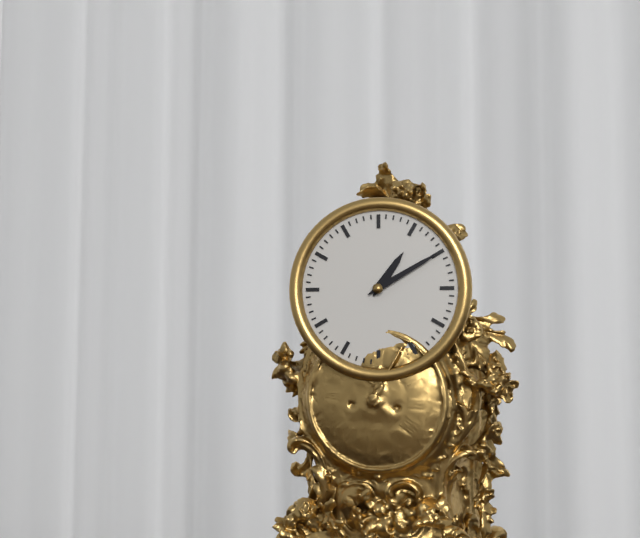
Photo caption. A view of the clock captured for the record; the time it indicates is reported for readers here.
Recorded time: 1:10
